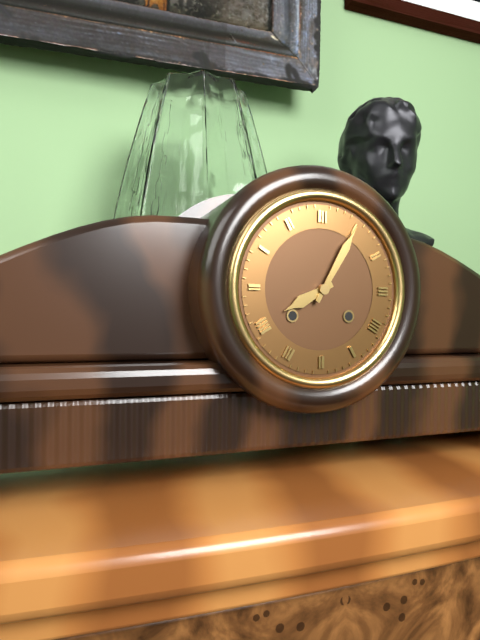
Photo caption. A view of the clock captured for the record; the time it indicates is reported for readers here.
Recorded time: 8:05
